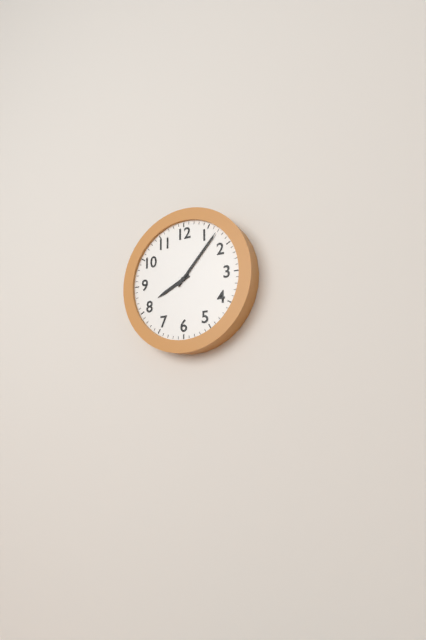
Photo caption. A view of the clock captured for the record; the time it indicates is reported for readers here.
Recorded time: 8:07
